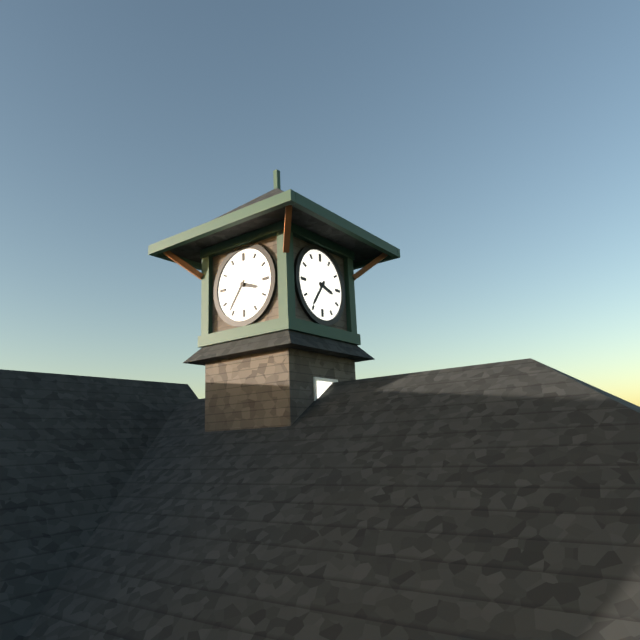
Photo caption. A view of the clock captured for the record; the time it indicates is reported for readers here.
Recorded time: 3:36
